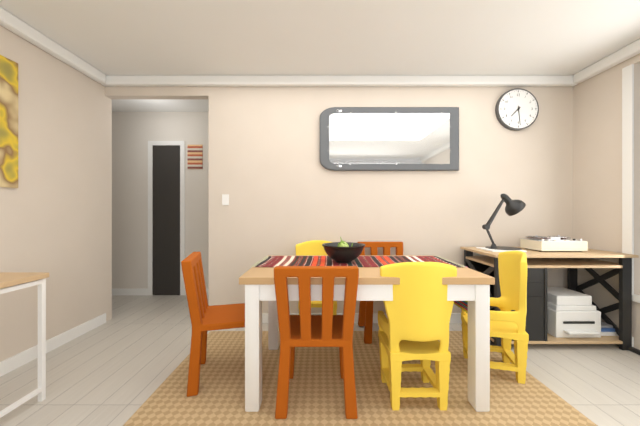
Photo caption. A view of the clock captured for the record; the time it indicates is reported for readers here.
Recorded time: 7:29
